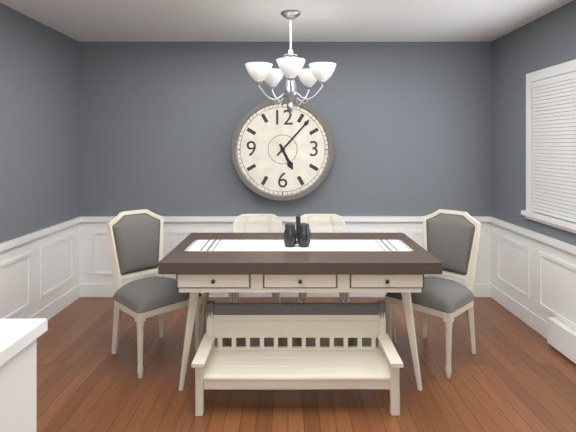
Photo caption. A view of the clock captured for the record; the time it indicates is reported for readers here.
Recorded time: 5:07
